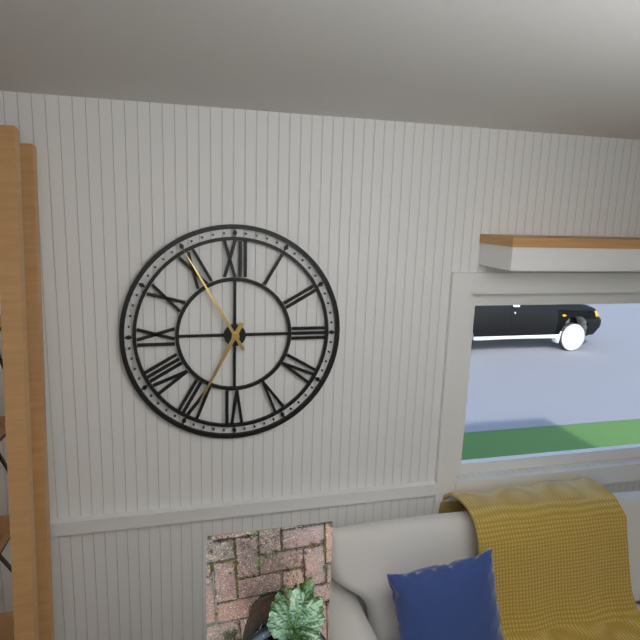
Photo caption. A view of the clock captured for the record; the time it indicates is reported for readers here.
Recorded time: 6:55
